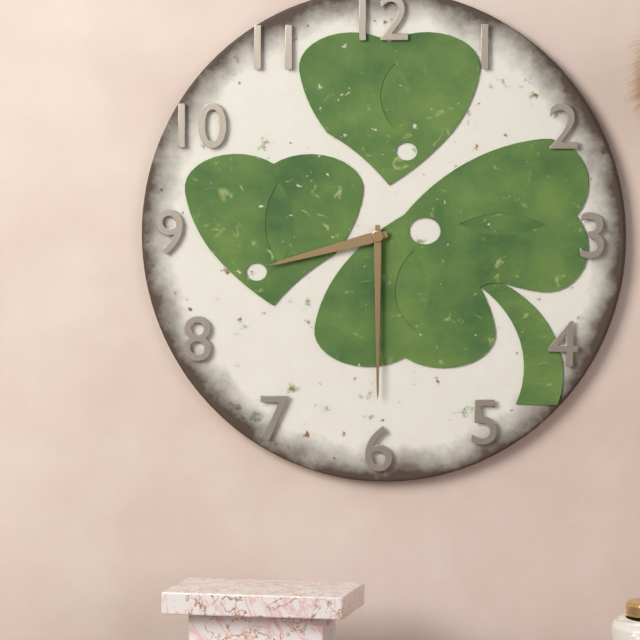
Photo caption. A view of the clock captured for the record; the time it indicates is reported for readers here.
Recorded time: 8:30
